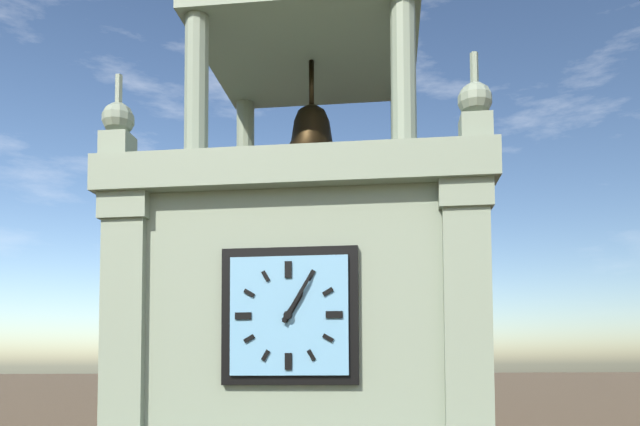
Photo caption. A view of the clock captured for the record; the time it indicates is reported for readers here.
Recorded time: 1:05
